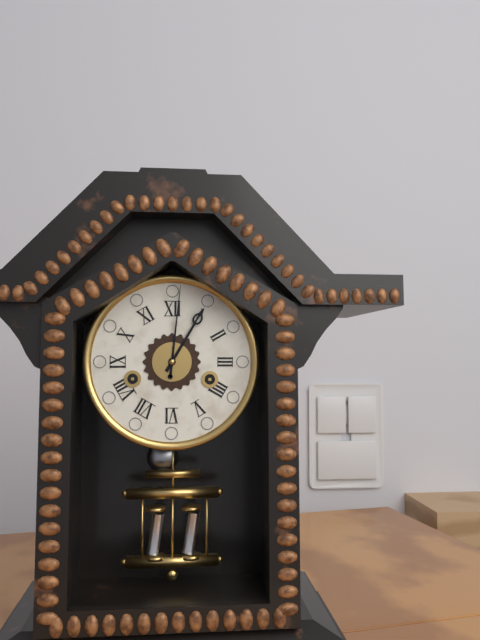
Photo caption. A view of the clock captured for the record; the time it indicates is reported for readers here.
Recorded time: 1:01
